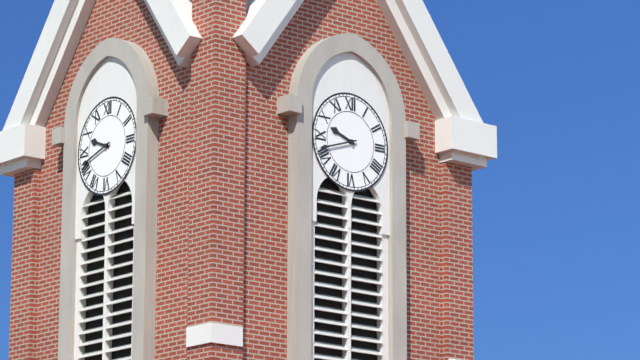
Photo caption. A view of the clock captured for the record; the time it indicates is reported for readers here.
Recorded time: 9:42
